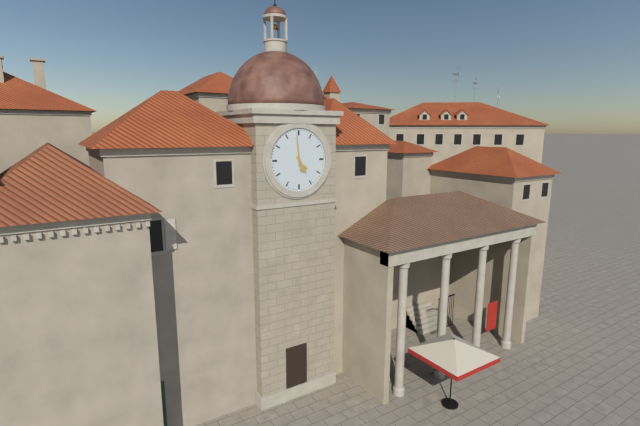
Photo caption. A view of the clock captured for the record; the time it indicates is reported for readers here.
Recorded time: 4:59
